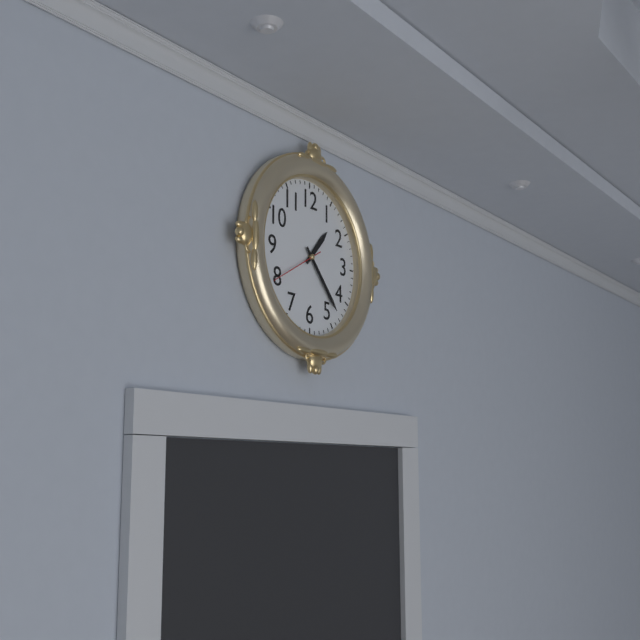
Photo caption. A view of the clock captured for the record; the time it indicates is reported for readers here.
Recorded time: 1:23:40
